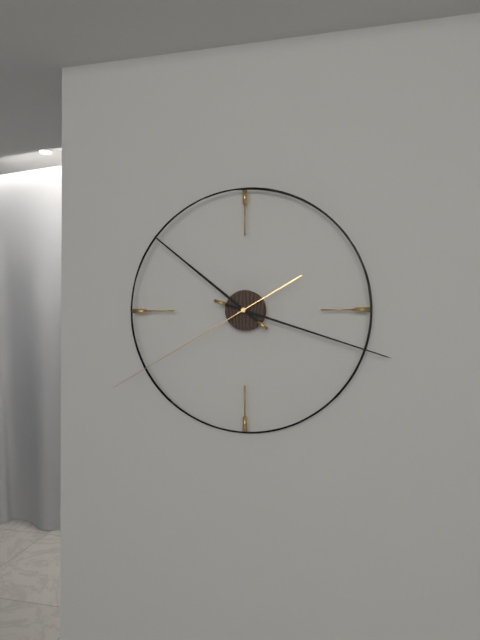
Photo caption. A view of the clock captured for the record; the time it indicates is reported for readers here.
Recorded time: 10:18:40
